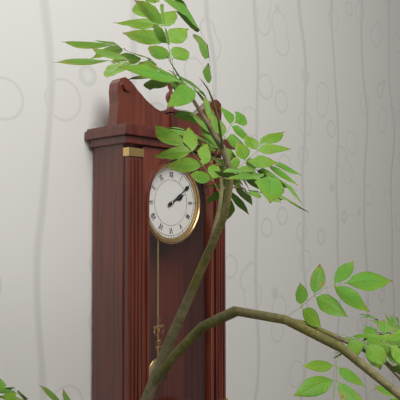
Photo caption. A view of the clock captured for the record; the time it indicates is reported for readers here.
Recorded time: 2:09
